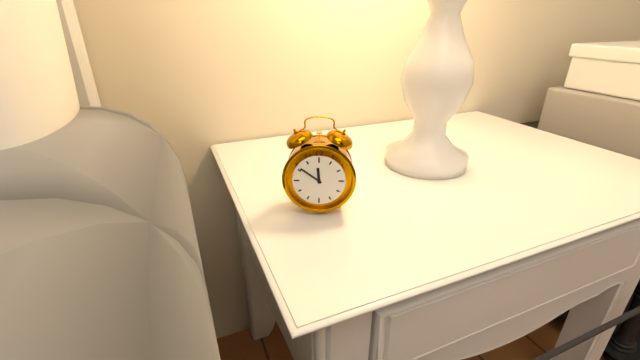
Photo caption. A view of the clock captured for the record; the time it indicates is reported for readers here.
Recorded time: 11:51
